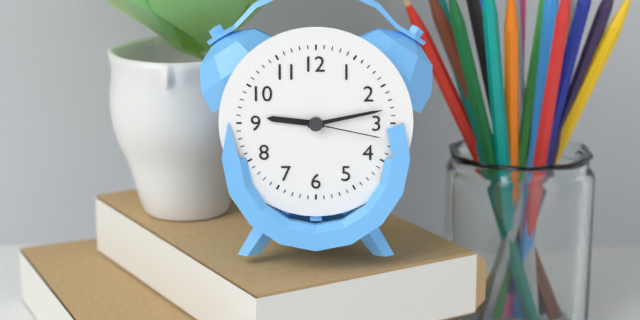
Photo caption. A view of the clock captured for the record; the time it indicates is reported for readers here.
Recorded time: 9:13:17
